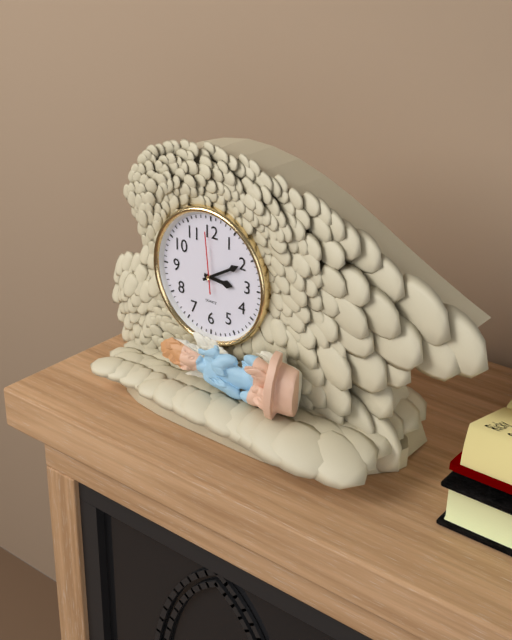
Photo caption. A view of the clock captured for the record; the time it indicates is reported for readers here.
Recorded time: 3:10:59
